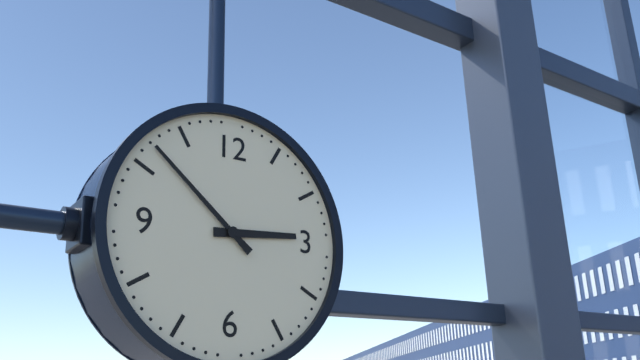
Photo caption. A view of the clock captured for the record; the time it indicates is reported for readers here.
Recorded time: 2:52
